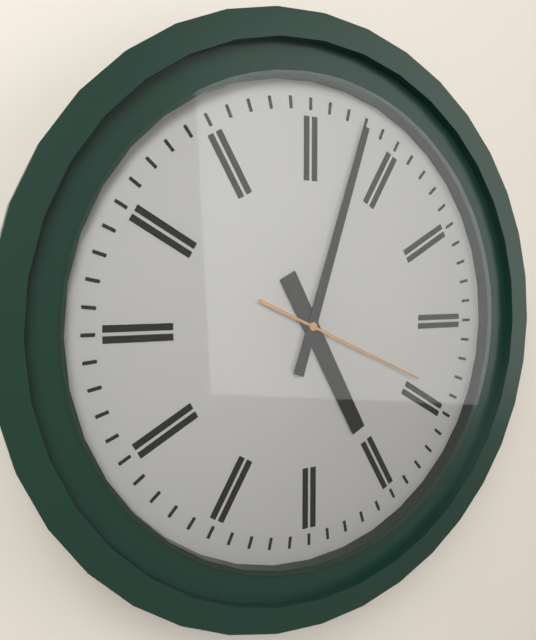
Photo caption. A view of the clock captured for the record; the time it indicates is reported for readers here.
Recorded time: 5:03:19
